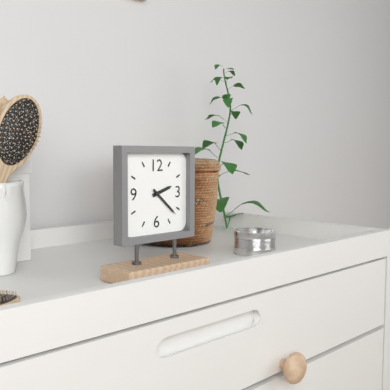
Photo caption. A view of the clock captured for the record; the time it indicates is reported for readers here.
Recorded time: 2:22
